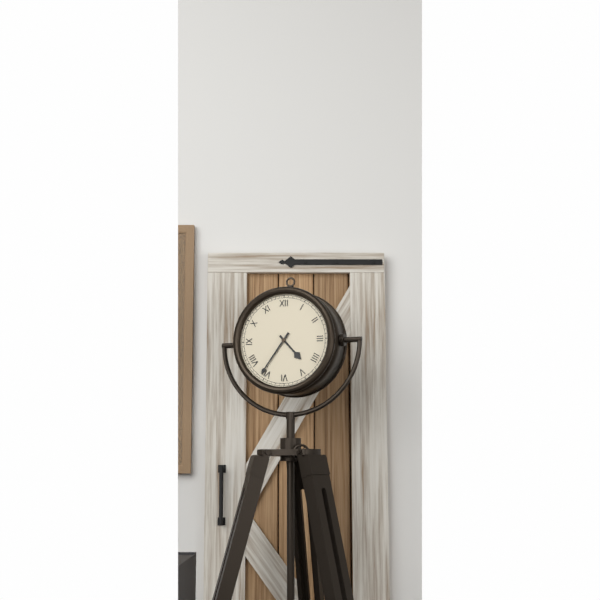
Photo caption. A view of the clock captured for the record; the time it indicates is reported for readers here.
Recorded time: 4:36
